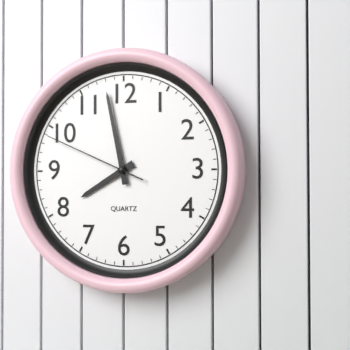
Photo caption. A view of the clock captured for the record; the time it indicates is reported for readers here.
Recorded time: 7:58:49
